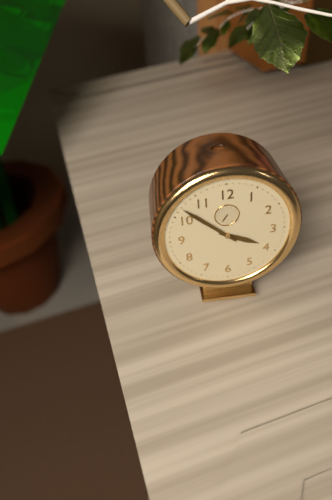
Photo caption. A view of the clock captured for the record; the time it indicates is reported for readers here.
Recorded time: 3:52
